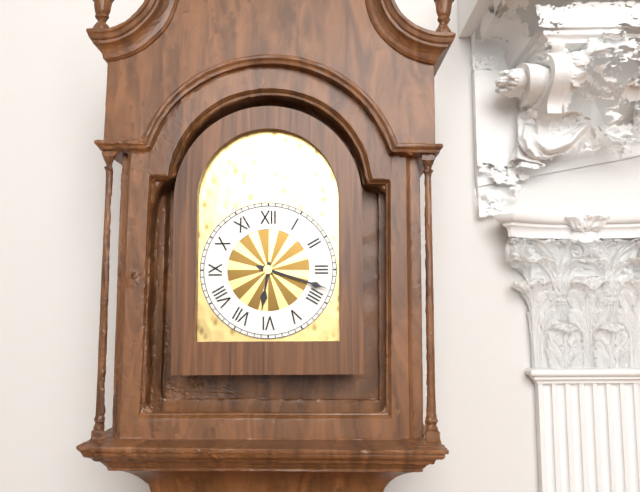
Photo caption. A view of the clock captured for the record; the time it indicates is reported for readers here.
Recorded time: 6:18
